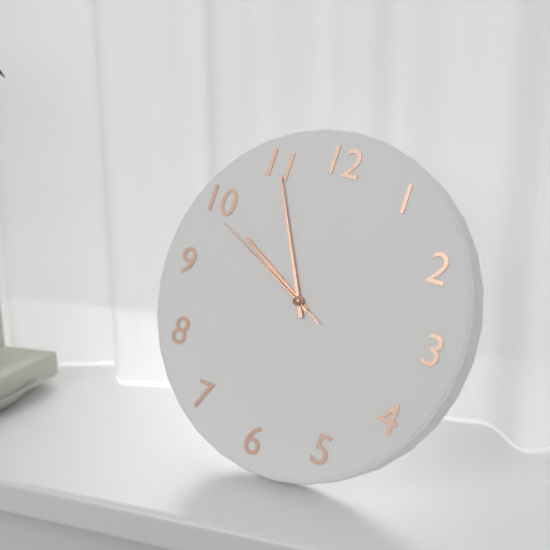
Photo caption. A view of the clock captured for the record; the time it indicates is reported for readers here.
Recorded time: 9:55:49
